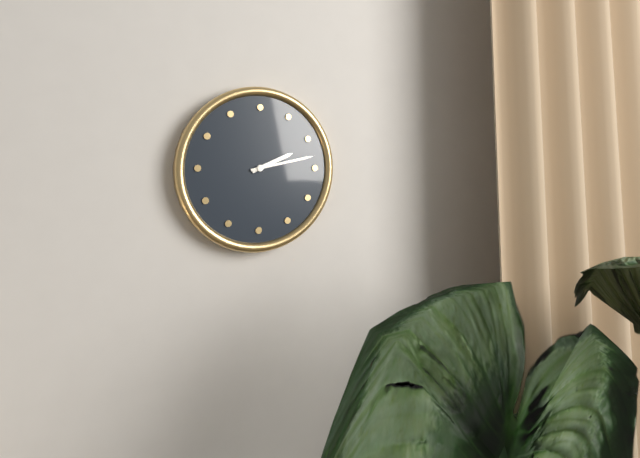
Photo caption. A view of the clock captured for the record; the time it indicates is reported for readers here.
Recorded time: 2:13
